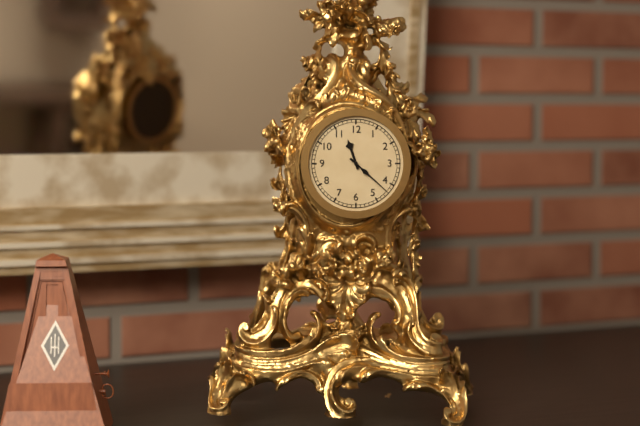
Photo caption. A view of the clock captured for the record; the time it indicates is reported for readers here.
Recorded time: 11:22
